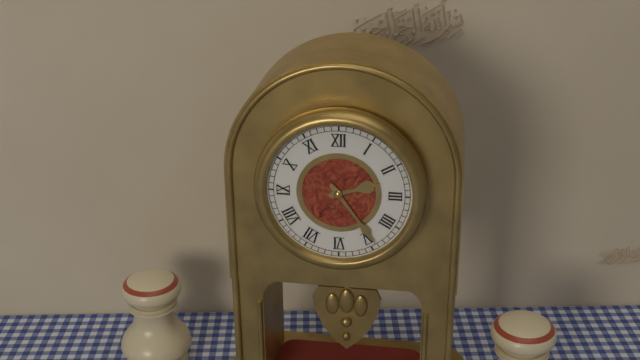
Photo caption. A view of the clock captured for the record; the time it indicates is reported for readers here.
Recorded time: 2:24
